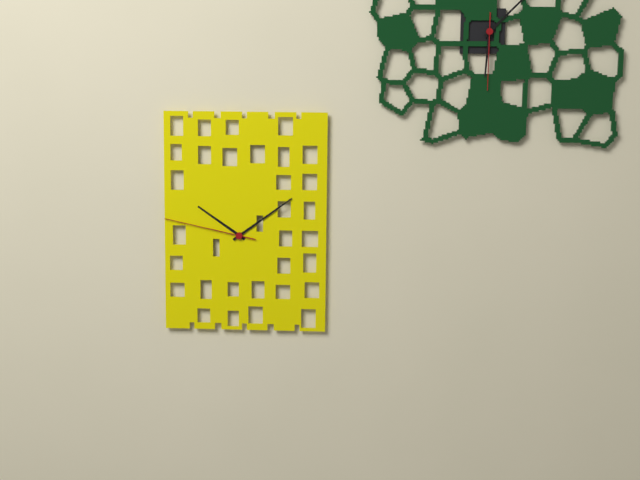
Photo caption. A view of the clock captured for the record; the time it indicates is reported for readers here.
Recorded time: 10:09:47
